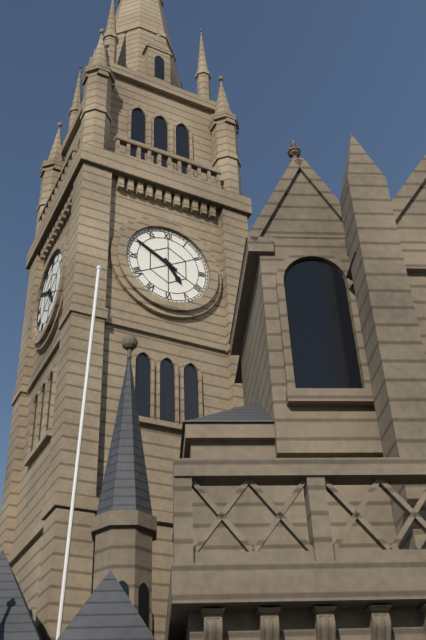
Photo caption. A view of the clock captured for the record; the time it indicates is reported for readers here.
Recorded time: 4:50
